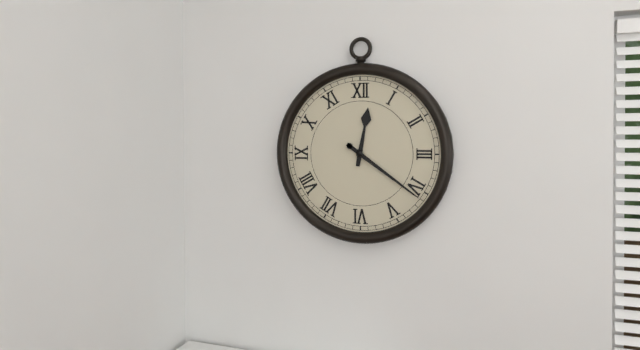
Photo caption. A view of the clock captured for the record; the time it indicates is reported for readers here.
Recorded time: 12:21
